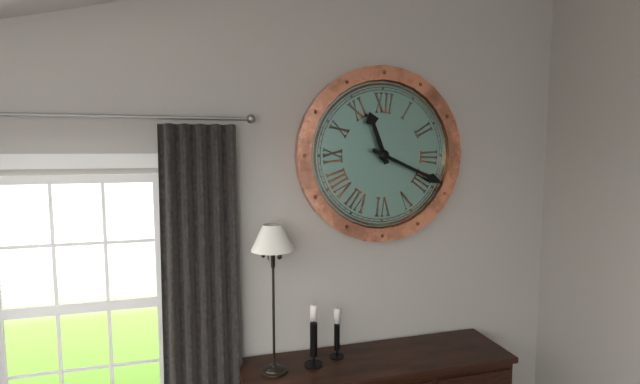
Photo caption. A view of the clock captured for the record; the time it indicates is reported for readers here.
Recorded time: 11:19
